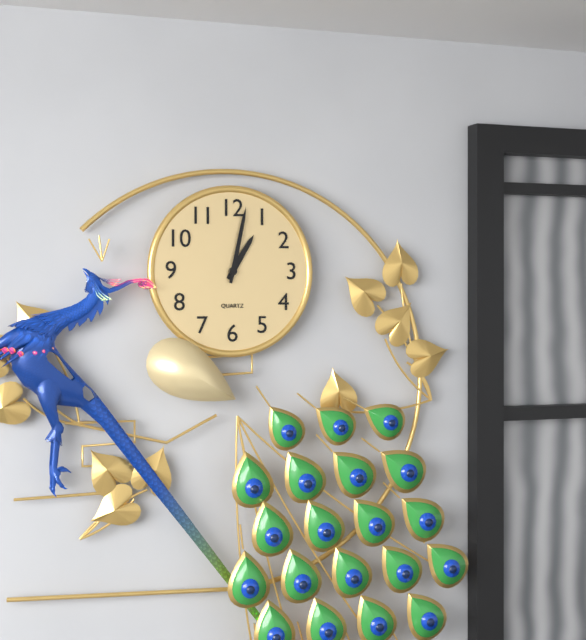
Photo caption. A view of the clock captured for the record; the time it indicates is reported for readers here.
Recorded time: 1:02
